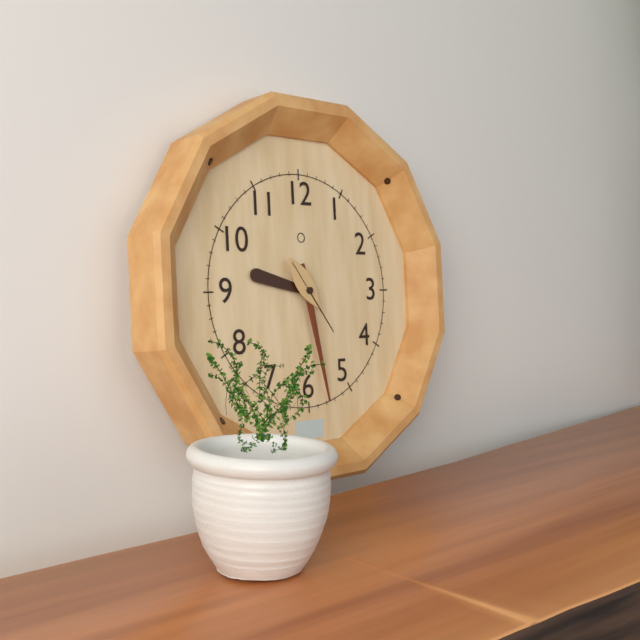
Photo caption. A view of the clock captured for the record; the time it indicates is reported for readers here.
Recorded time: 9:28:24
